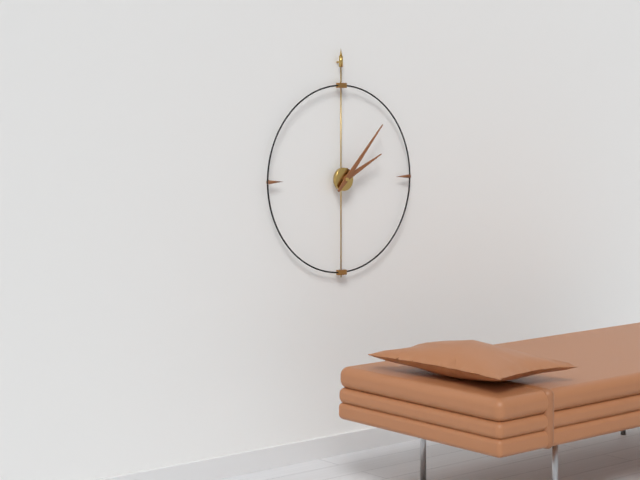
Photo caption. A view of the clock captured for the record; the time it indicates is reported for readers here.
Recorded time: 2:07
